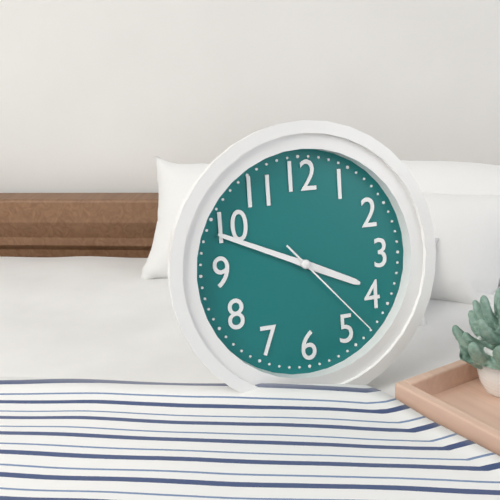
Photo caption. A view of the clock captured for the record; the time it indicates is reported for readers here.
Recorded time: 3:49:23
